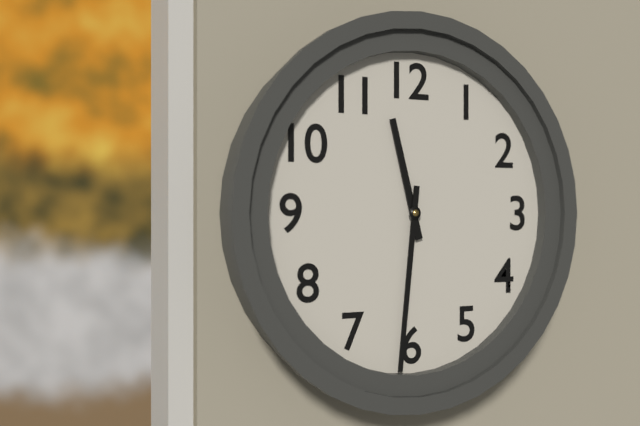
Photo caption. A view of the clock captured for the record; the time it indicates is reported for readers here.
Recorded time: 11:31
